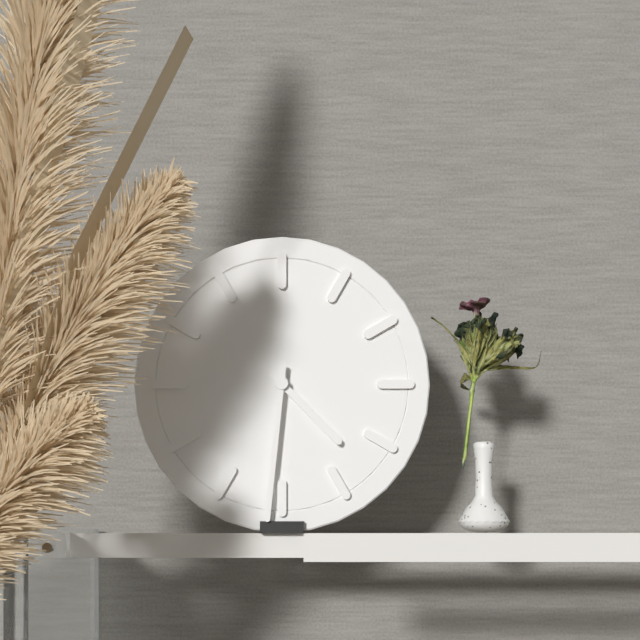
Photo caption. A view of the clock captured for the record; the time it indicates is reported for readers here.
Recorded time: 4:31
